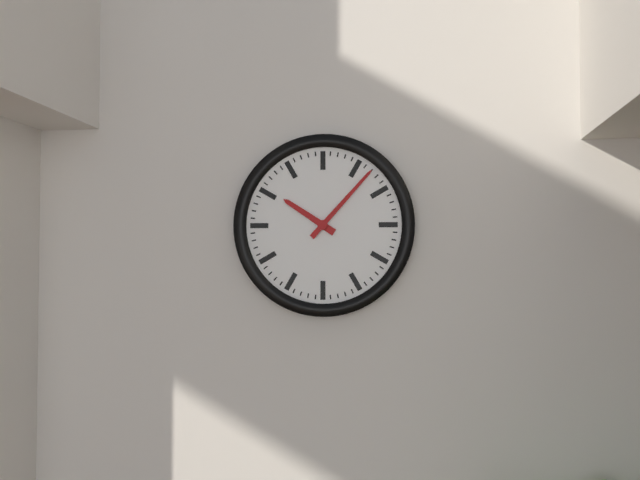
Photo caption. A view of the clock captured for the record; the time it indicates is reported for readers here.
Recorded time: 10:07
